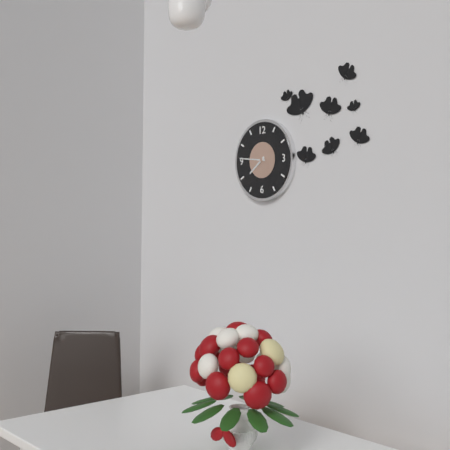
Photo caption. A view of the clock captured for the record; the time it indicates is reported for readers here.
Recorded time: 7:46
